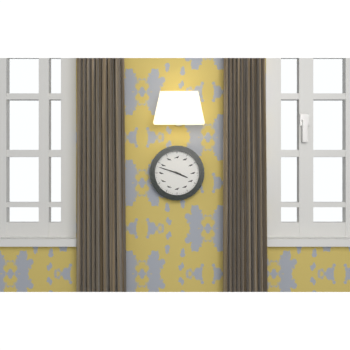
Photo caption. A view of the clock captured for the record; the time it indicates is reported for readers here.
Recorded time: 3:48
